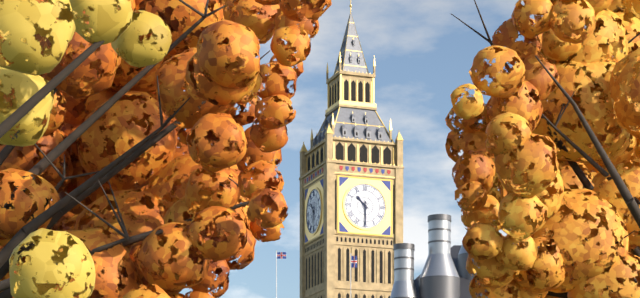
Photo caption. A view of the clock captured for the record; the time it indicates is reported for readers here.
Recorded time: 10:30
